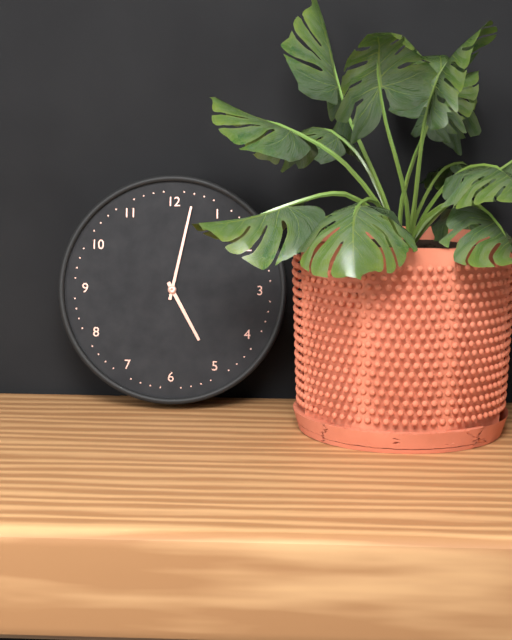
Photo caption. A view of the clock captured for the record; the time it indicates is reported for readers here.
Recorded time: 5:02
